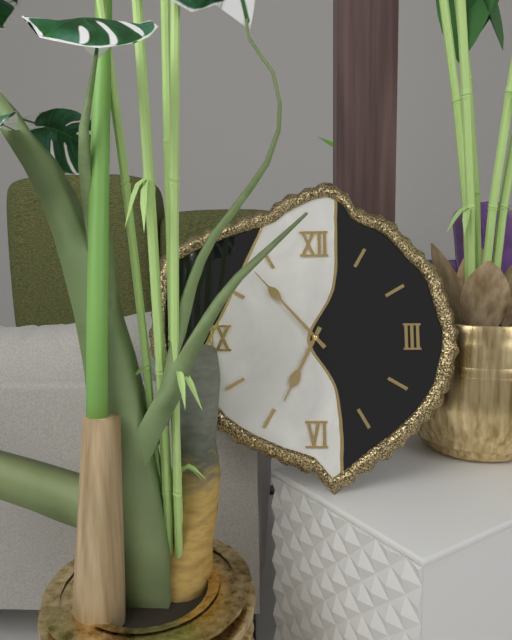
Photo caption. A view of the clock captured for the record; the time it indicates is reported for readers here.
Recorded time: 6:53
